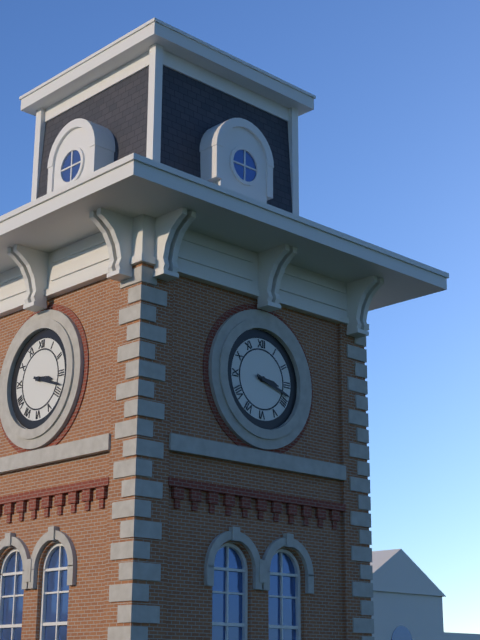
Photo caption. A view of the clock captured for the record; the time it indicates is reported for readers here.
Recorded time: 3:18
